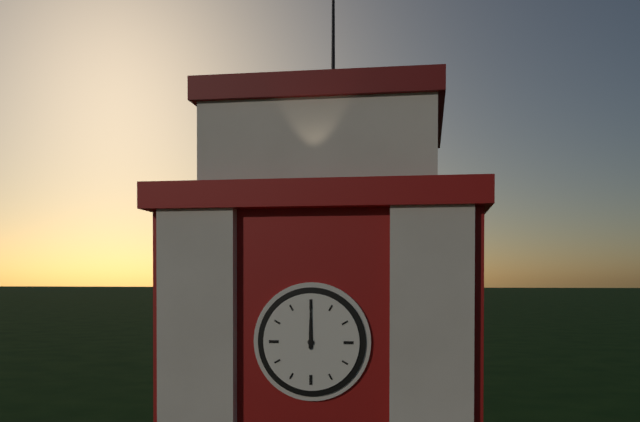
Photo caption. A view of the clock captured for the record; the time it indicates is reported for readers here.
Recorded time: 12:00
